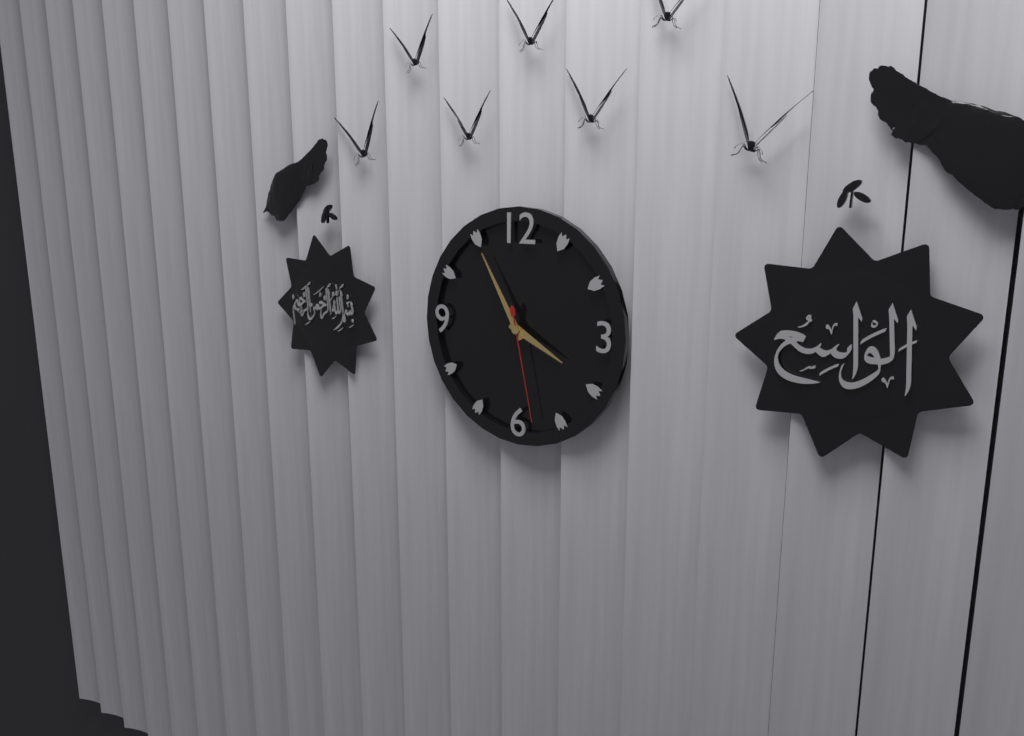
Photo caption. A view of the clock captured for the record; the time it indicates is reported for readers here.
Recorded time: 3:55:28
